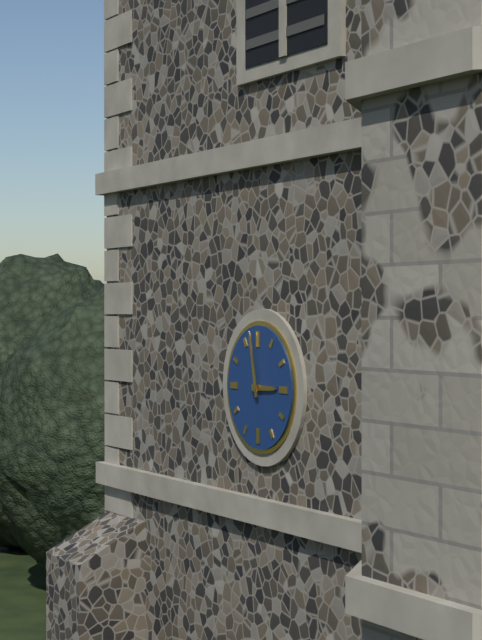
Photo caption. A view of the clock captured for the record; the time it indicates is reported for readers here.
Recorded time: 2:58
